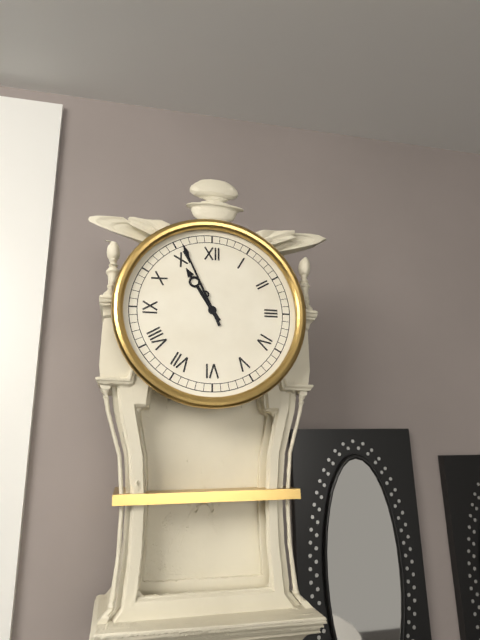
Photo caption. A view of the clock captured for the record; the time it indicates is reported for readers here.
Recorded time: 10:56
